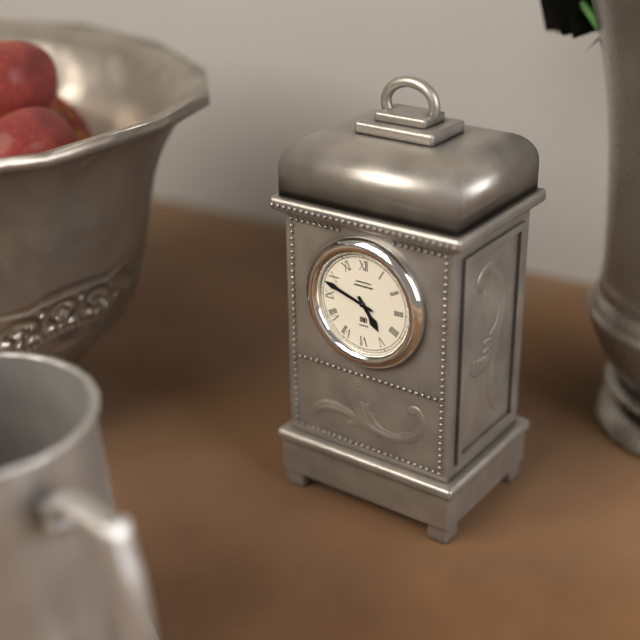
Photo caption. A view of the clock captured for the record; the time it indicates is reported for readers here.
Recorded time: 4:48
